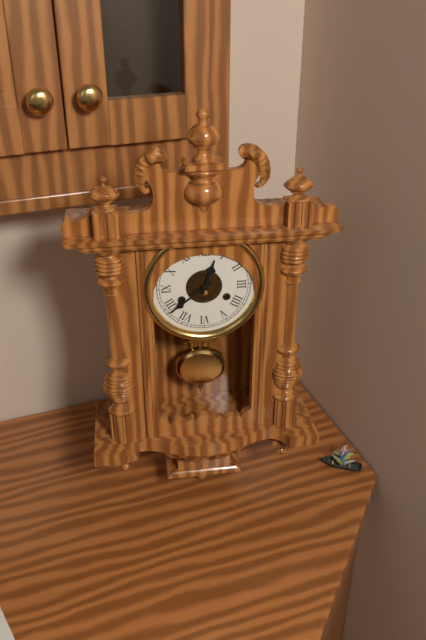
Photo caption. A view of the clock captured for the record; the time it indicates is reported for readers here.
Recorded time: 12:39
